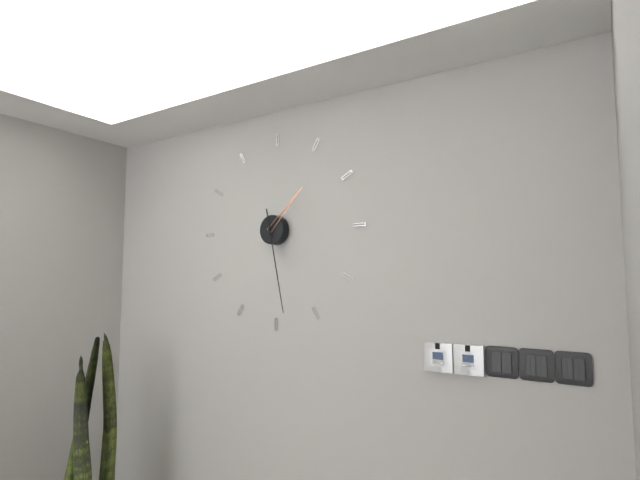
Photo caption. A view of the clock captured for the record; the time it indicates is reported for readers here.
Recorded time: 1:28
